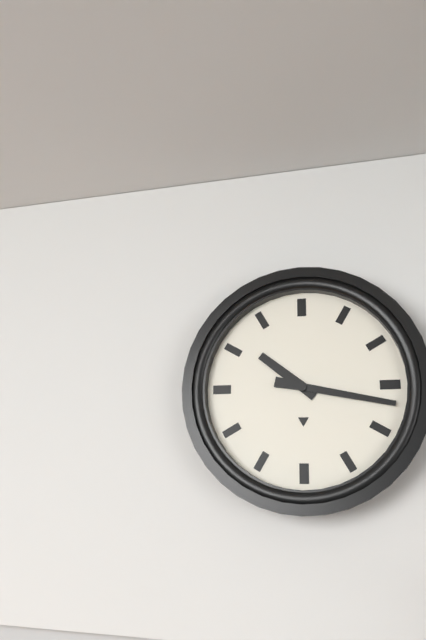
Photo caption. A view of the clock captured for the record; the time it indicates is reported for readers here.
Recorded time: 10:17
